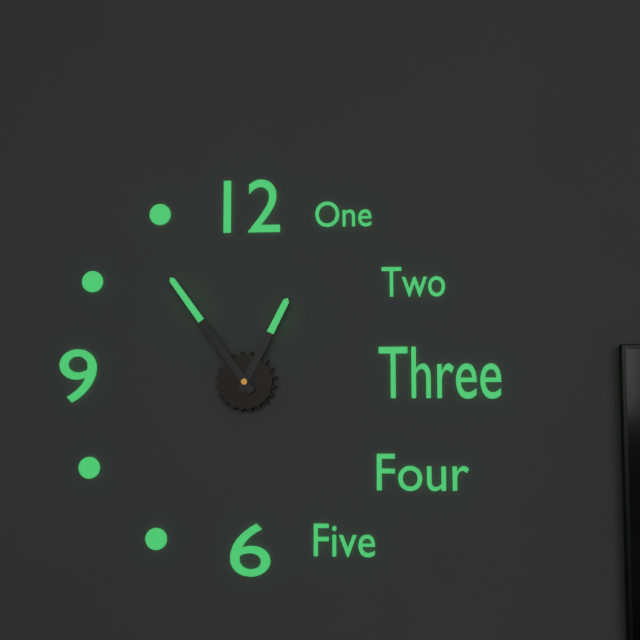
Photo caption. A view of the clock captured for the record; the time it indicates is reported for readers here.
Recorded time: 12:54
